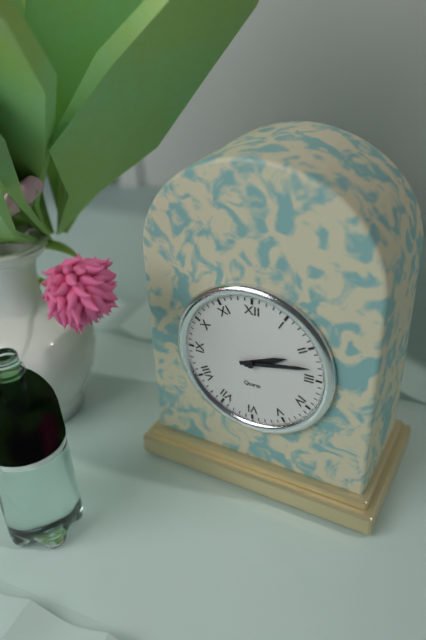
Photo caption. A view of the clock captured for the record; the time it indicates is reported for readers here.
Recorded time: 2:13
